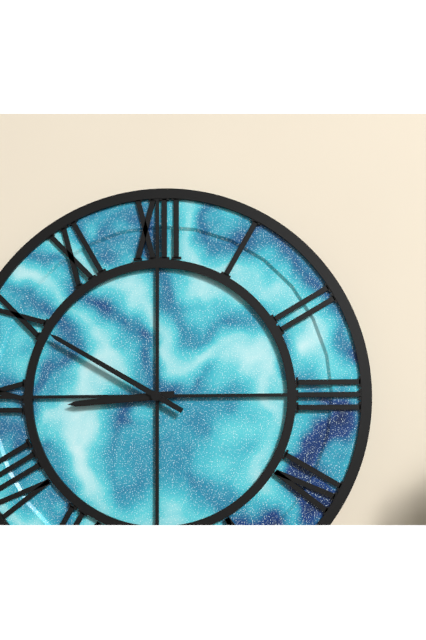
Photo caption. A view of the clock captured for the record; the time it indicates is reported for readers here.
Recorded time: 8:50
